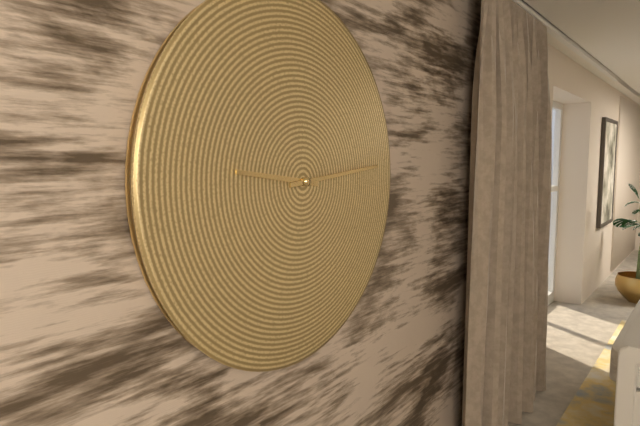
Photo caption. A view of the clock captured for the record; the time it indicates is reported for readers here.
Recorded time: 9:14
